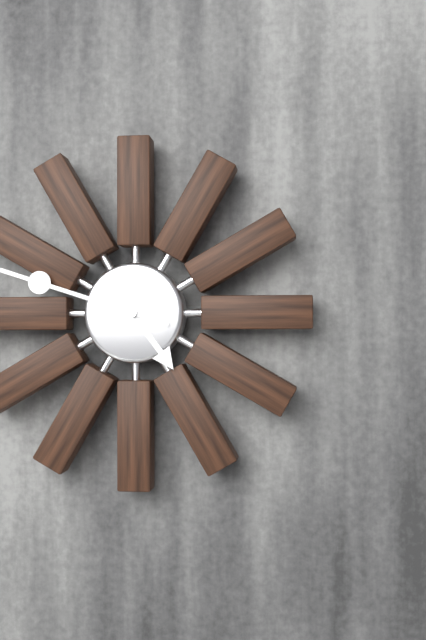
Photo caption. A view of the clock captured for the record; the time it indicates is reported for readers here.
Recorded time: 4:48
